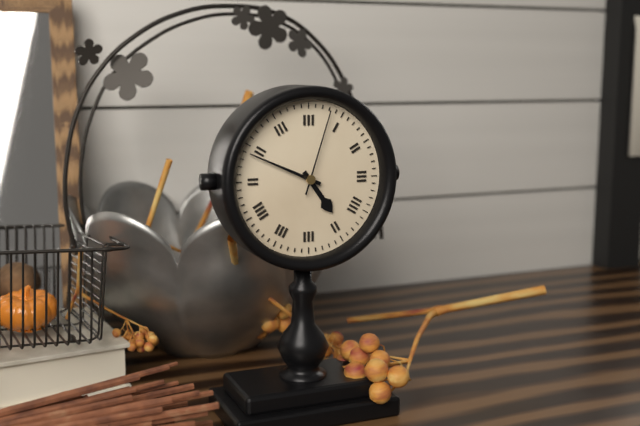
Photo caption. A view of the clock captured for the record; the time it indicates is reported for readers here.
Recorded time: 4:49:03
